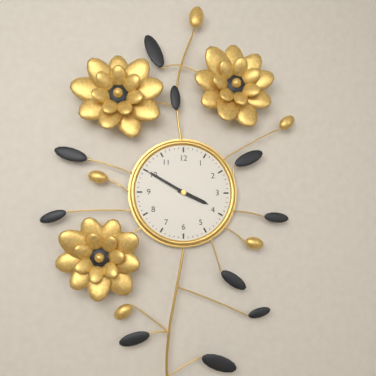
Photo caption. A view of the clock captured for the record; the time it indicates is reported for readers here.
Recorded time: 3:50
